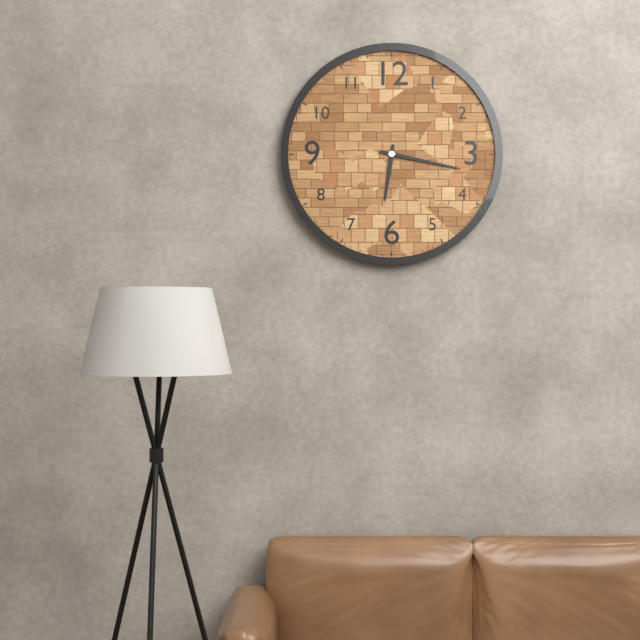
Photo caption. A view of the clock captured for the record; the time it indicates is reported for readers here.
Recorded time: 6:17
